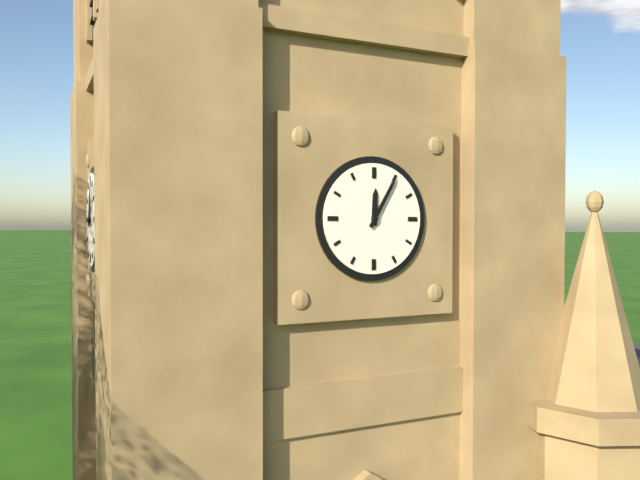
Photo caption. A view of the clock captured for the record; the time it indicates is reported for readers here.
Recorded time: 12:05
